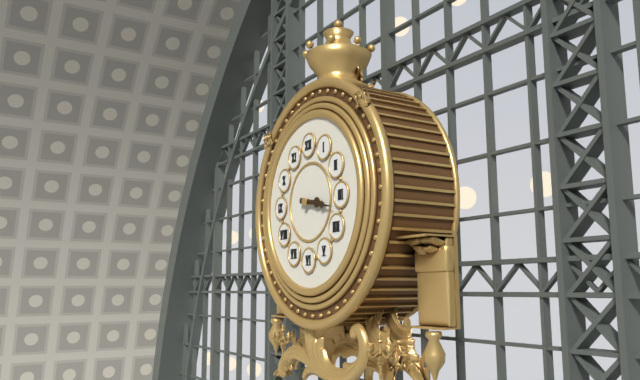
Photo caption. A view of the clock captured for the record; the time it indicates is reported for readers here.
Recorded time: 3:17
